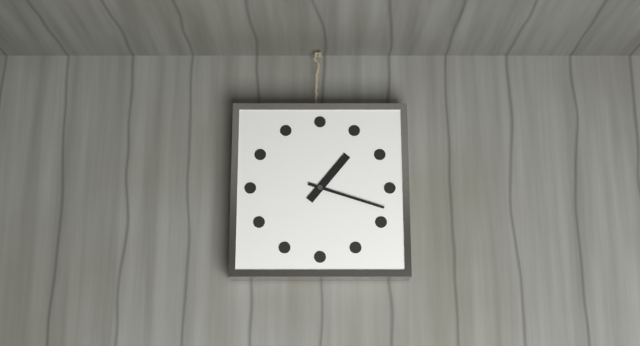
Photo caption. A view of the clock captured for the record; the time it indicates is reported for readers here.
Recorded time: 1:18
